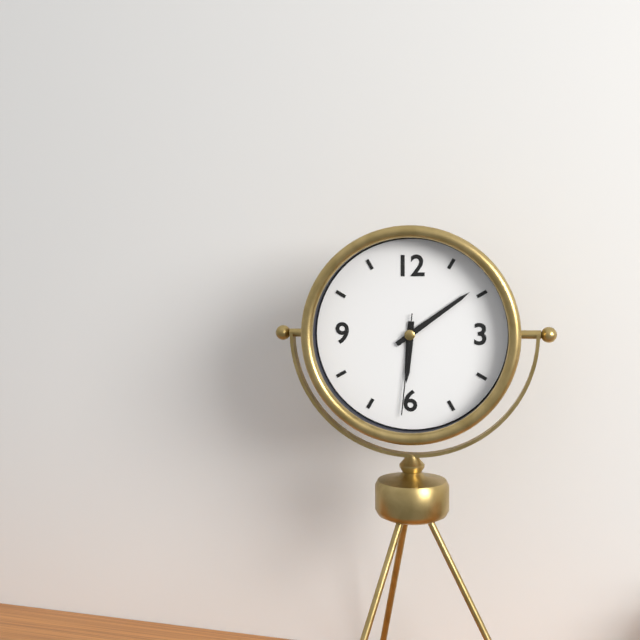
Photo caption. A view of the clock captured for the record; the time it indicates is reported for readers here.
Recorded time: 6:09:31
